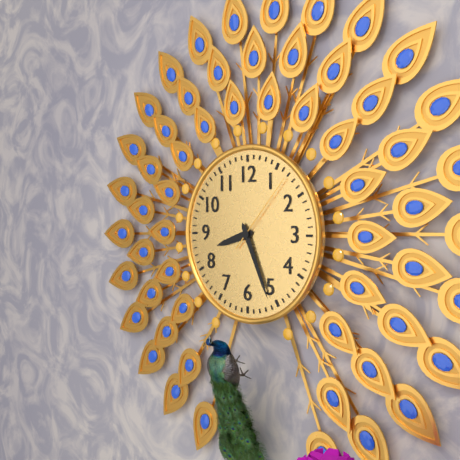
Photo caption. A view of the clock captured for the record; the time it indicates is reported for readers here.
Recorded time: 8:26:07
